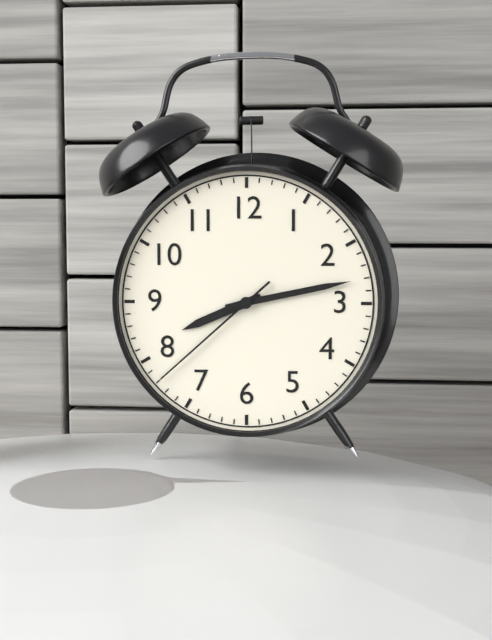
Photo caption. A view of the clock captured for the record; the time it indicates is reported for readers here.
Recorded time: 8:13:38
